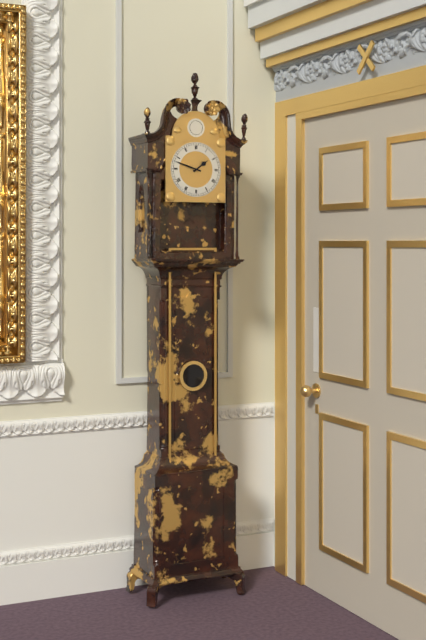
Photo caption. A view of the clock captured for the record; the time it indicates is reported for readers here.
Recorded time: 1:48
